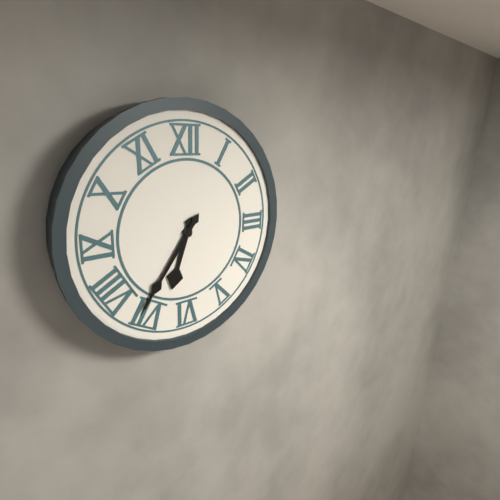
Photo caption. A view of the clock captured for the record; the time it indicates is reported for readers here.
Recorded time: 6:36
